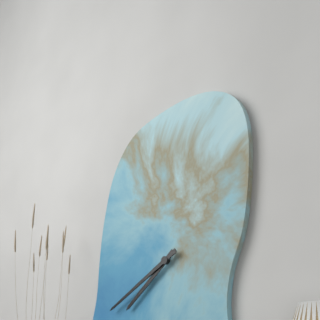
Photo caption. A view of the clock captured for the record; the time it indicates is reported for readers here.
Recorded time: 7:40
